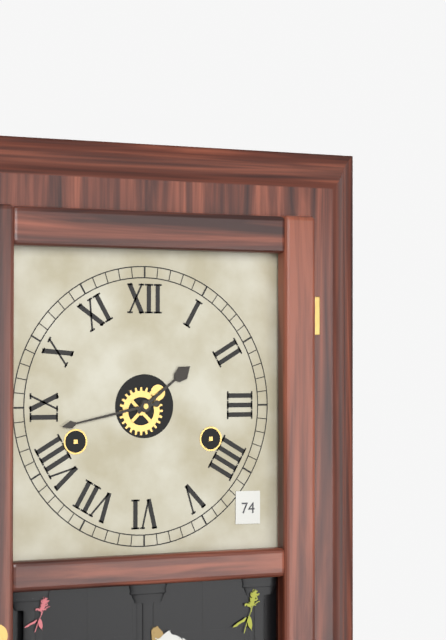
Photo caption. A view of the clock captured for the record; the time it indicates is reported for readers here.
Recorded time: 1:43
